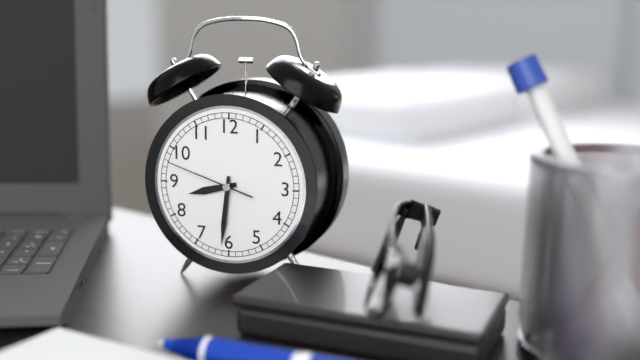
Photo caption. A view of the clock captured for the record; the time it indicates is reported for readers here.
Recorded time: 8:31:48
